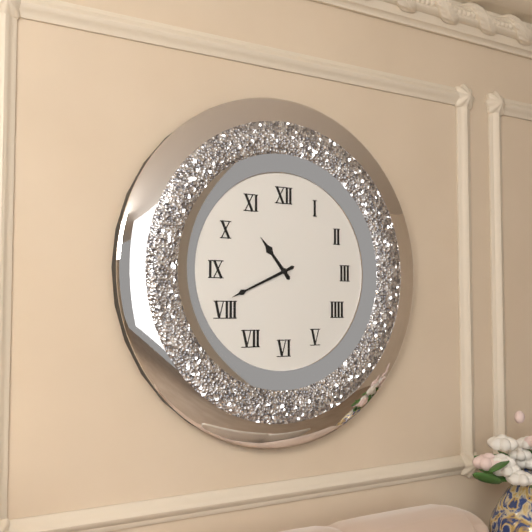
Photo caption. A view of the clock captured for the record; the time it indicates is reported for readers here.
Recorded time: 10:41
